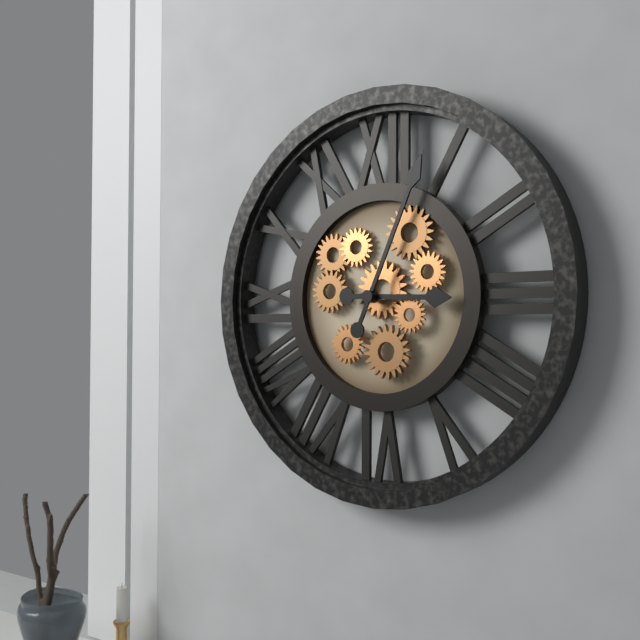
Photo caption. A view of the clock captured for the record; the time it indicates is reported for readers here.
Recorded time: 3:04
